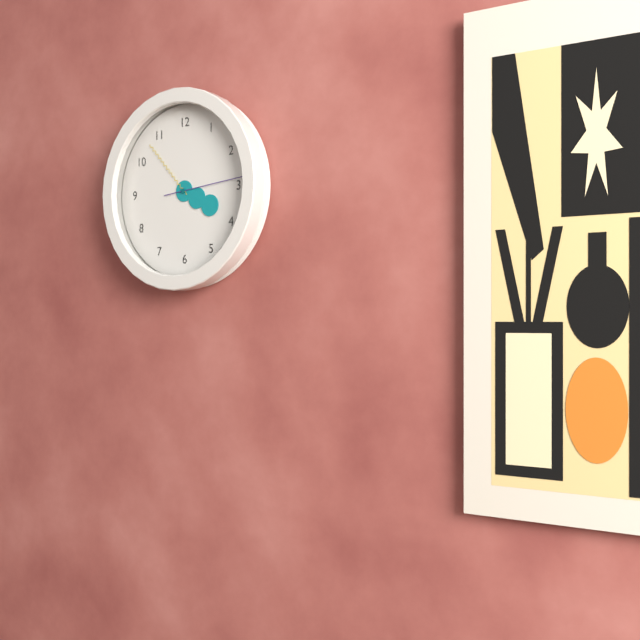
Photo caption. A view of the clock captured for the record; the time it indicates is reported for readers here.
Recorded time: 3:53:14
